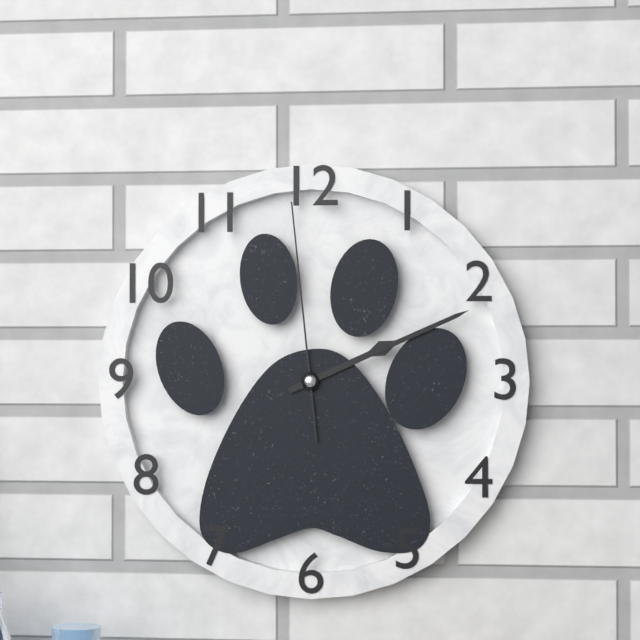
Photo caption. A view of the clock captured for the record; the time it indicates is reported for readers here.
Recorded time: 2:11:59
